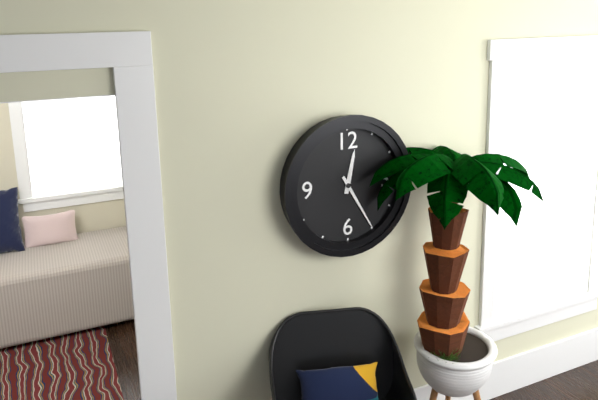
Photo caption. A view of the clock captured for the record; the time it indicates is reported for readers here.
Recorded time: 12:25
